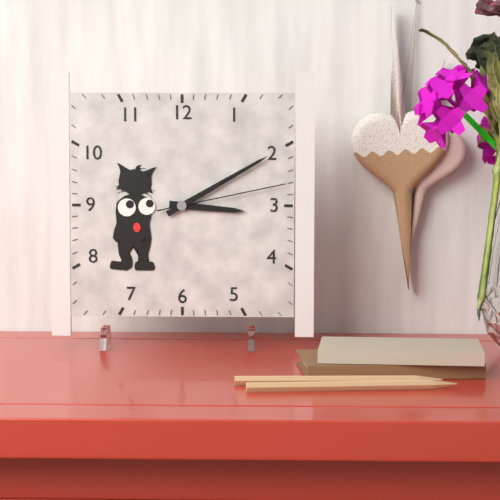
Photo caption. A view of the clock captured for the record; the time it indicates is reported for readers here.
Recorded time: 3:10:13
